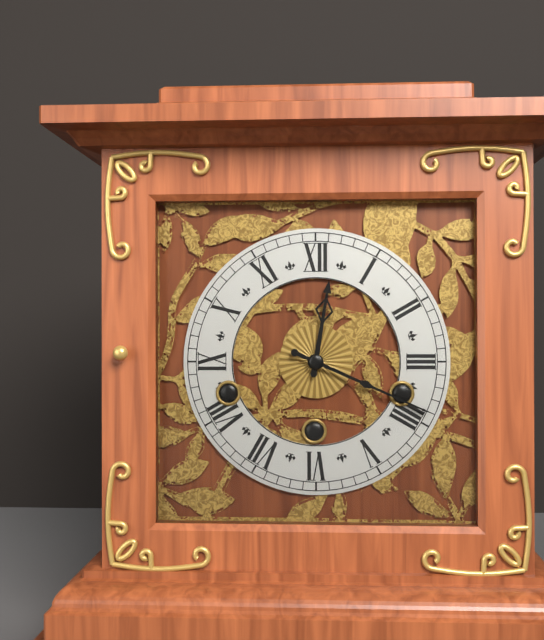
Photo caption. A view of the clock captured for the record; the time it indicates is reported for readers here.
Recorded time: 12:19
